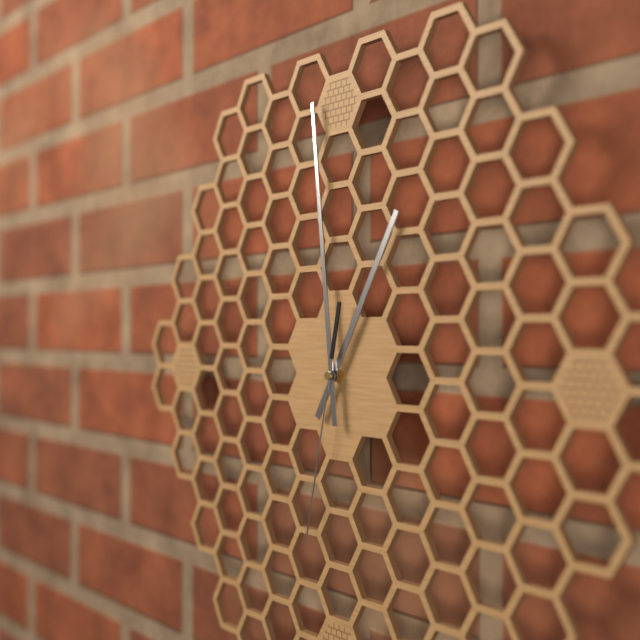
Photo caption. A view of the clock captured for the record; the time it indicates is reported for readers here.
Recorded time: 12:59:32
